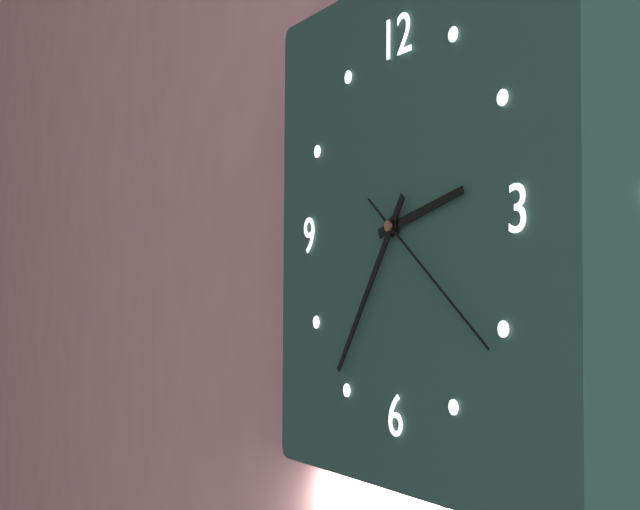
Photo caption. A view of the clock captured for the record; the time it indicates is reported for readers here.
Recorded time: 2:36:21
